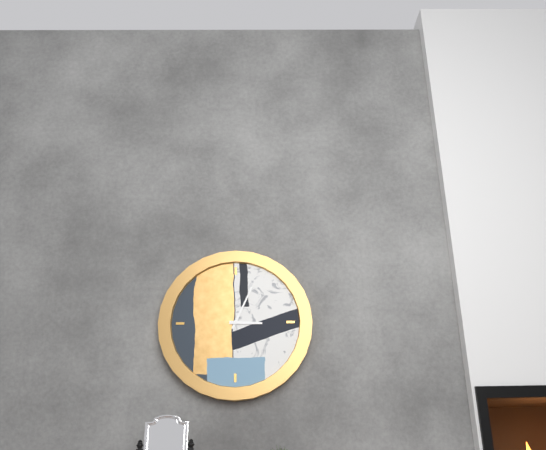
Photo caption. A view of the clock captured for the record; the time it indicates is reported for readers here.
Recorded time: 3:04
